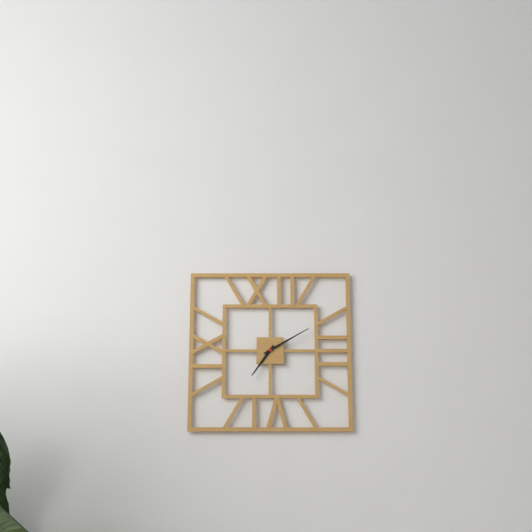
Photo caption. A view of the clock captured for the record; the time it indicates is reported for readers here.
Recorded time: 7:10
